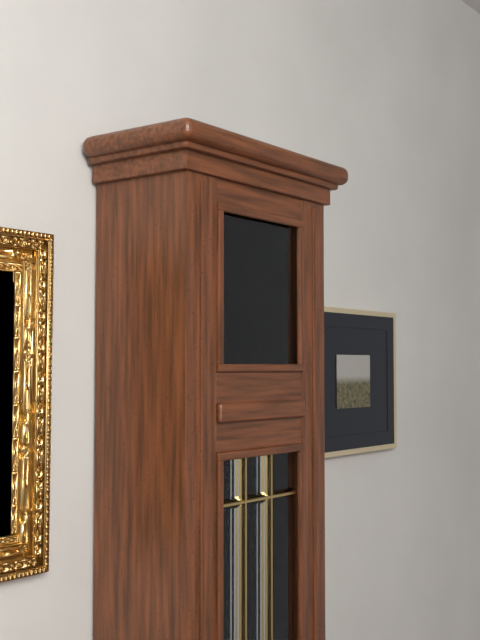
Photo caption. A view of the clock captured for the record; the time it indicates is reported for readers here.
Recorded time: 5:27
